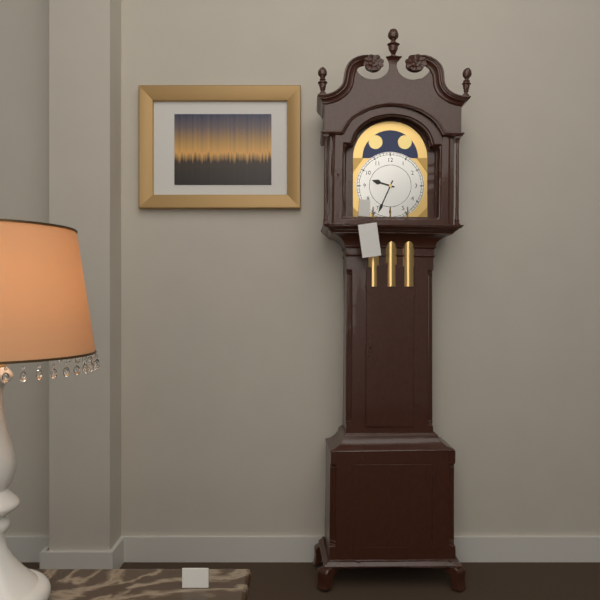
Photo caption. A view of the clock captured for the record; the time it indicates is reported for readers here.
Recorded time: 9:34
